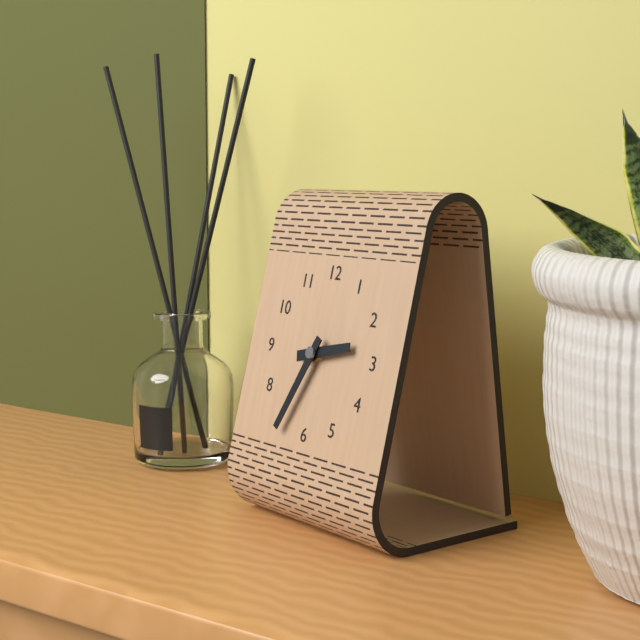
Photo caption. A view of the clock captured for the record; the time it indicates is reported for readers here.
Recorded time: 2:34
